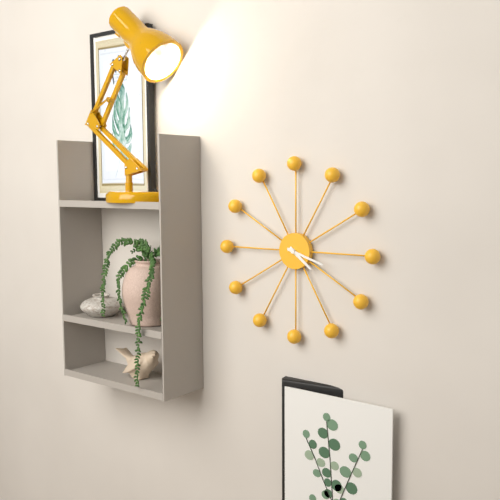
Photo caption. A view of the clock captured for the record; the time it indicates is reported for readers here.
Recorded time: 4:18
